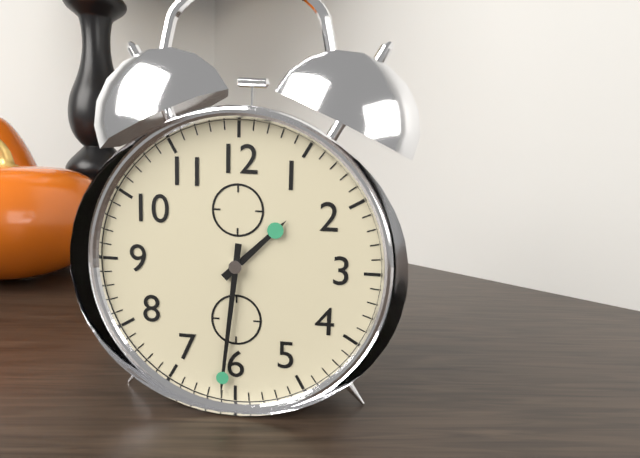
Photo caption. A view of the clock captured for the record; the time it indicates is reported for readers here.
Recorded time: 1:31
